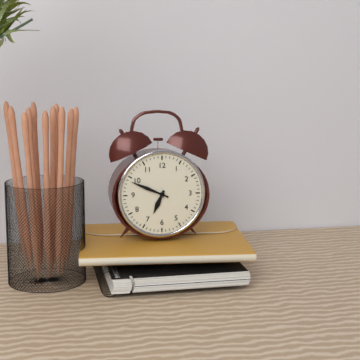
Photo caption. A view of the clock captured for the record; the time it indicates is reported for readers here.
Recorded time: 6:49
